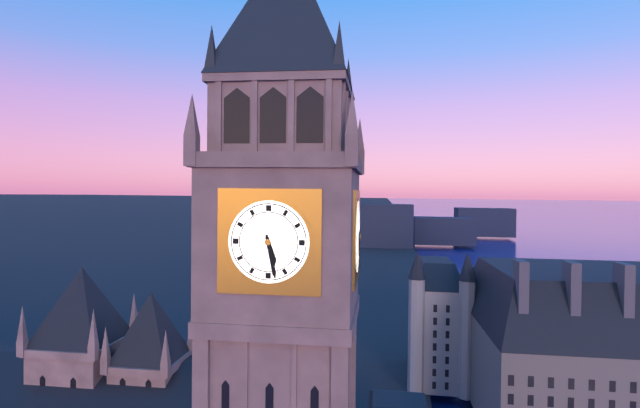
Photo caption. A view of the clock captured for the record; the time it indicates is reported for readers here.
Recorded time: 5:28
